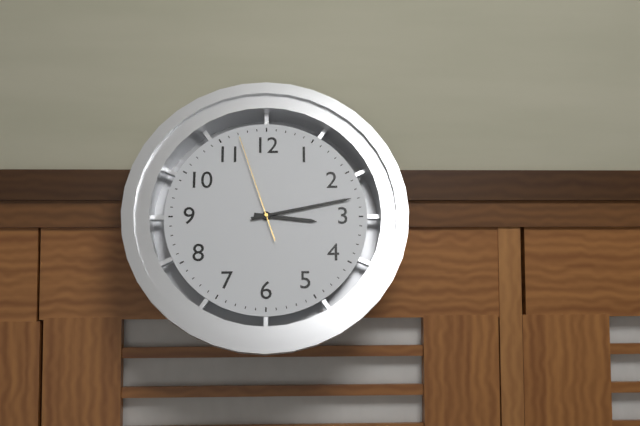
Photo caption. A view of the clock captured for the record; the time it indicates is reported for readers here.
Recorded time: 3:13:57
